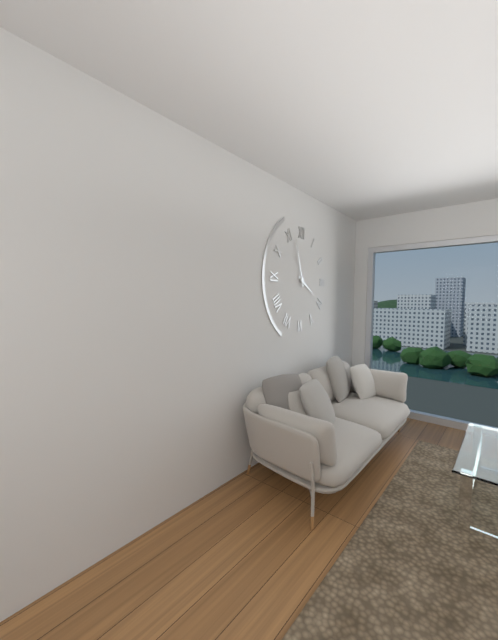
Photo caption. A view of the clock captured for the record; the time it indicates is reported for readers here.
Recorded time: 3:57
